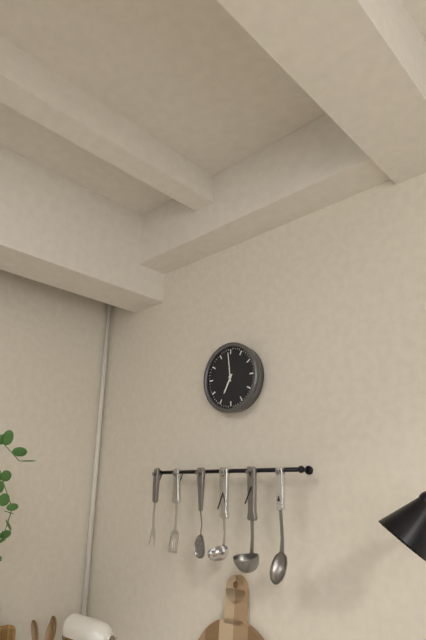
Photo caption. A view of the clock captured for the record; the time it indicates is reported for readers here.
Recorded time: 6:59
